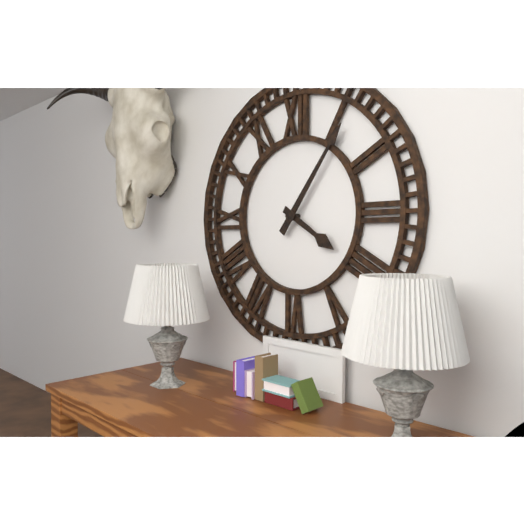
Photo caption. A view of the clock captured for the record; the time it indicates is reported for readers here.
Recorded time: 4:06
